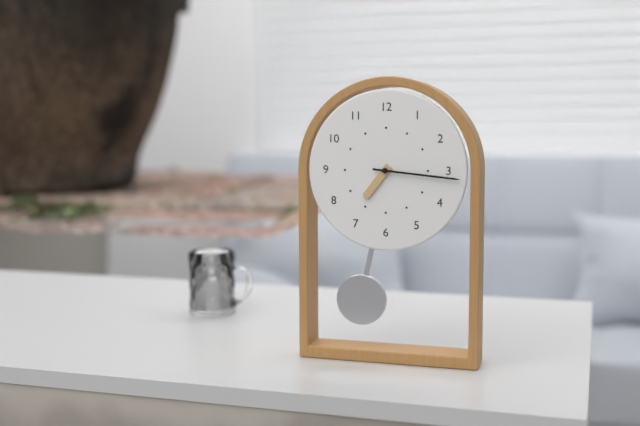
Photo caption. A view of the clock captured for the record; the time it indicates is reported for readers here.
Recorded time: 7:16
